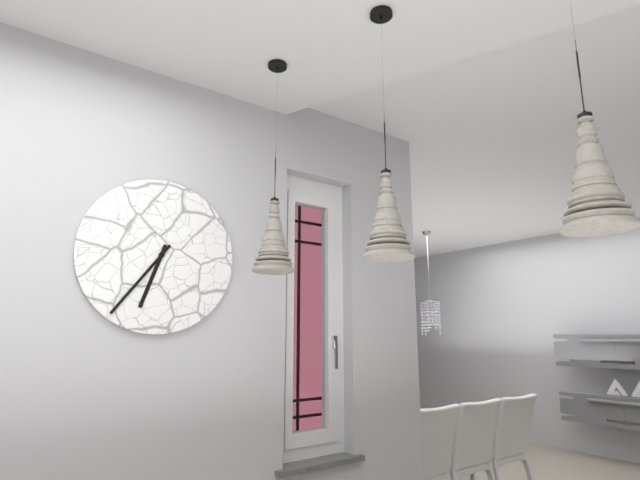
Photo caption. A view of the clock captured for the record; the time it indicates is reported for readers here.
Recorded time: 6:36
